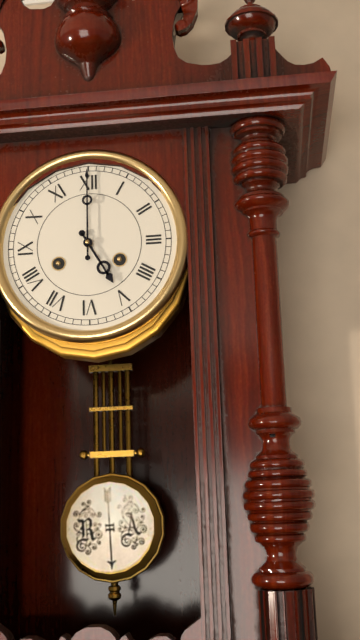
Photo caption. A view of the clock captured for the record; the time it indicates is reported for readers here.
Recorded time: 5:00
